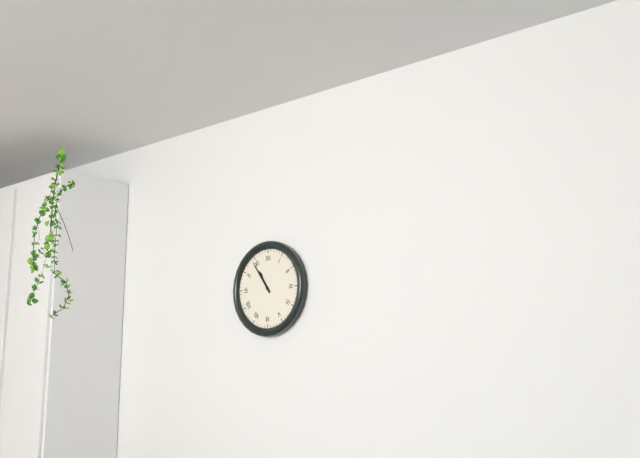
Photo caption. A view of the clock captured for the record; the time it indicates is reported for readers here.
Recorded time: 10:54
